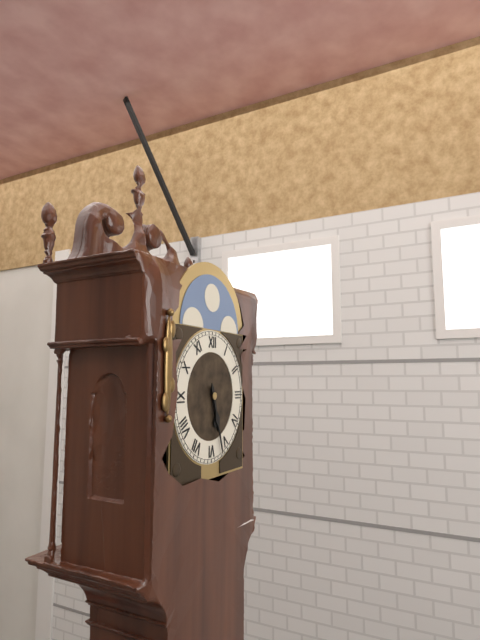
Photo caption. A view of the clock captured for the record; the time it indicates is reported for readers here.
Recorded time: 5:27
